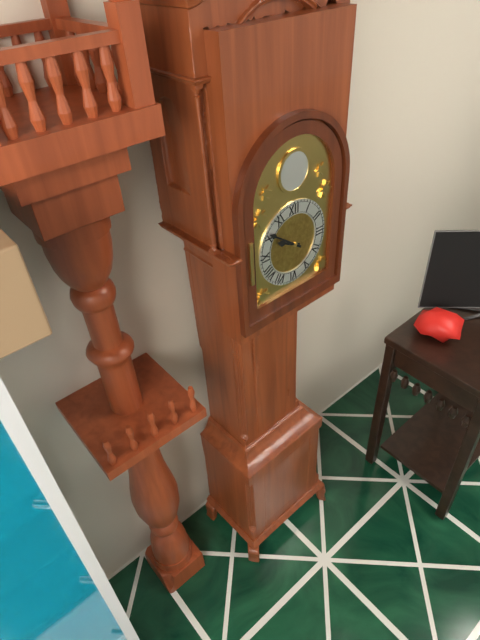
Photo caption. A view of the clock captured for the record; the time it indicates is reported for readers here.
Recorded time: 9:51
